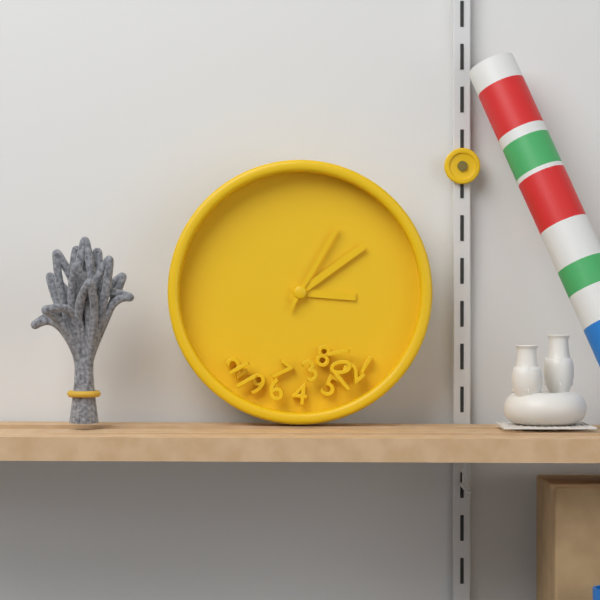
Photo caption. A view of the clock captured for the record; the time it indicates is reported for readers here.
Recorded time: 3:09:05
